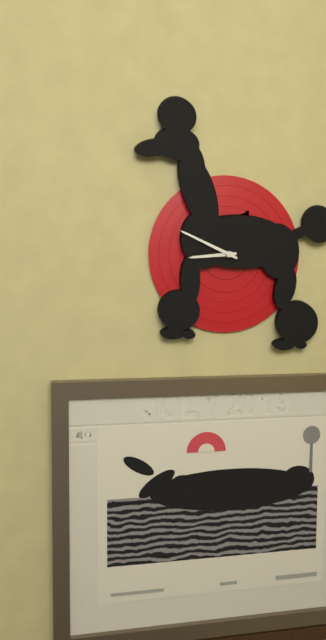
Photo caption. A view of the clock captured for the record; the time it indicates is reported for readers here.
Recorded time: 8:49
